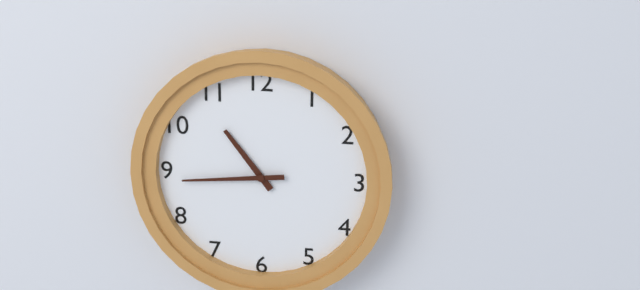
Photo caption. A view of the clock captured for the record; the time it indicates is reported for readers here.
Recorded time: 10:44
